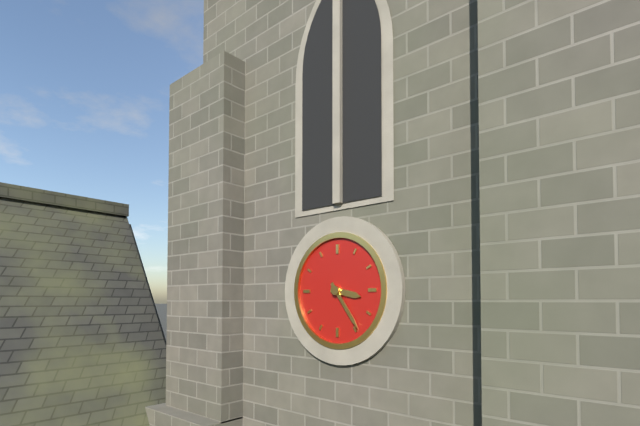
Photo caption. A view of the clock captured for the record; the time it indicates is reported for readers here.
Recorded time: 3:24
